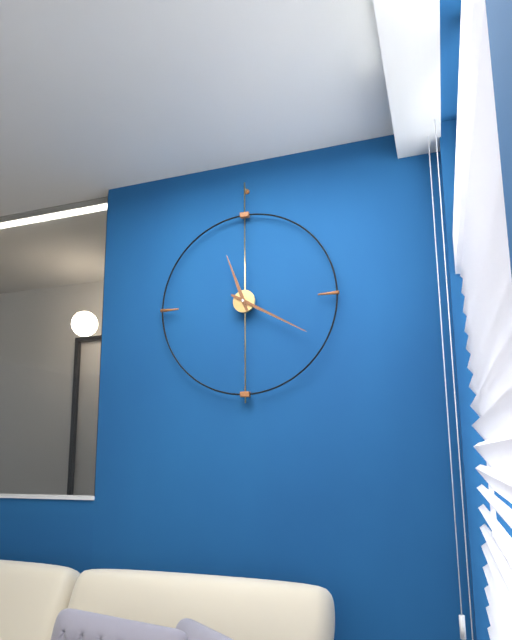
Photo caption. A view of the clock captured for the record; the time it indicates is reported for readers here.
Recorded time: 11:20
